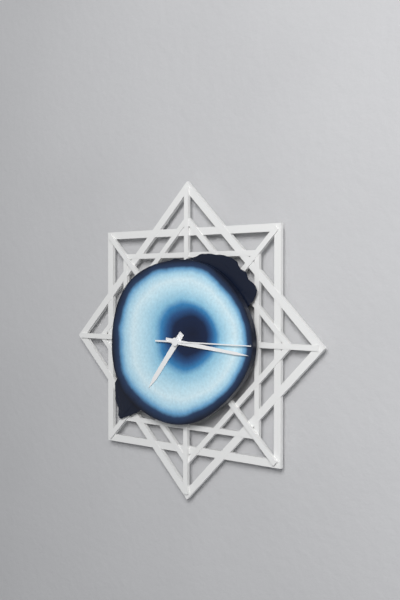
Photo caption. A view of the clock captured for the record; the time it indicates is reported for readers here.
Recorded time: 7:16:15
